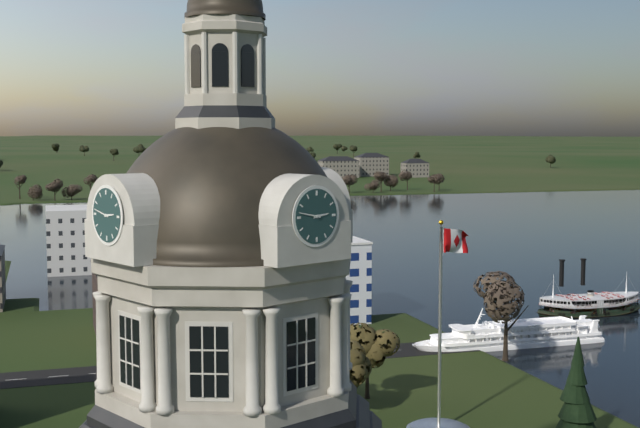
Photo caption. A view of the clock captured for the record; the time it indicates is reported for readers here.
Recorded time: 2:47
